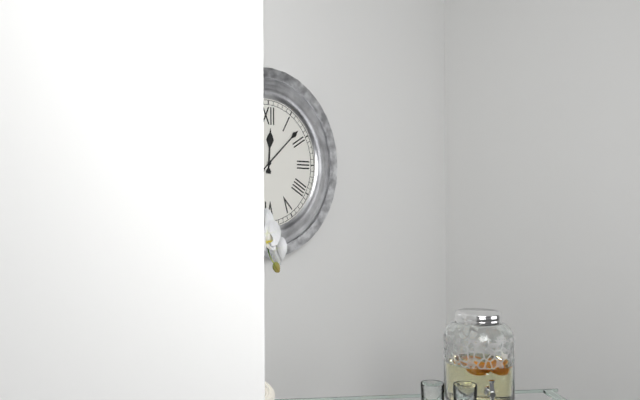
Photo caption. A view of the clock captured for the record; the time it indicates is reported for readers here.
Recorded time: 12:08
